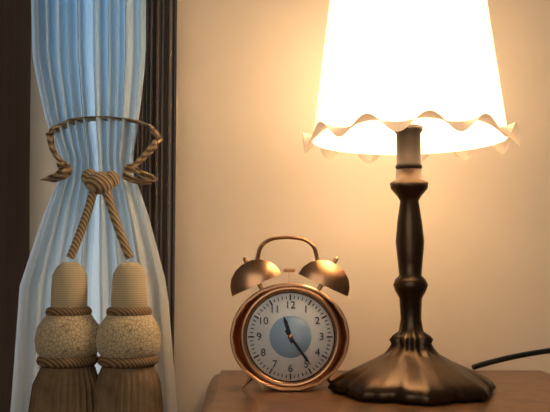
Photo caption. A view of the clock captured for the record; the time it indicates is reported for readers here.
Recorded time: 11:24
